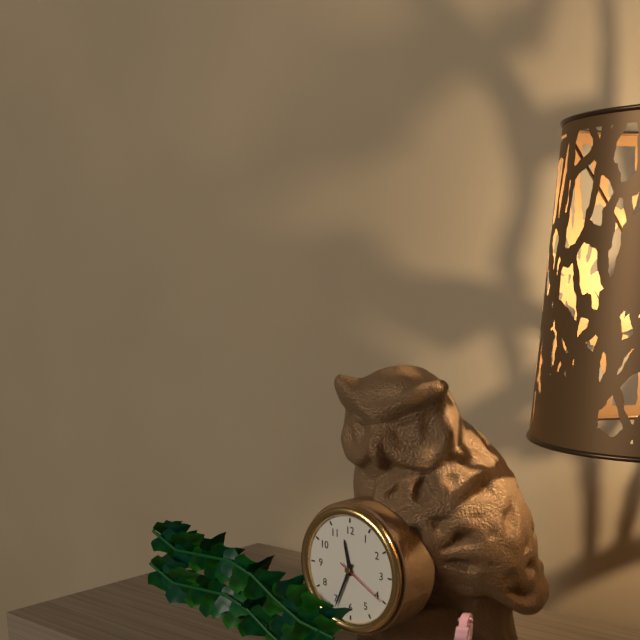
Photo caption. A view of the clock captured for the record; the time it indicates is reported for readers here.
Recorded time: 11:34:20
